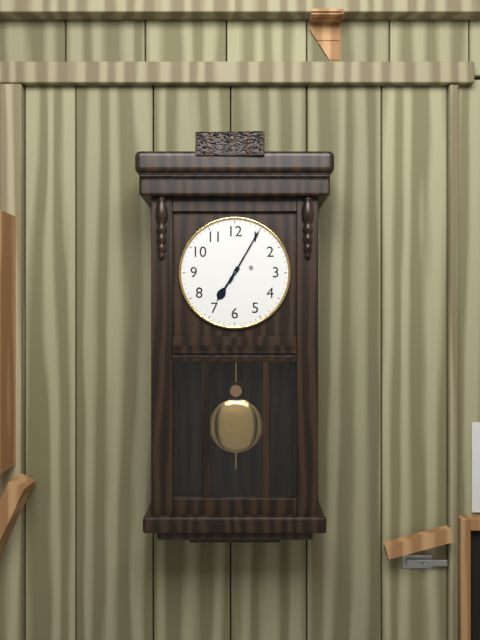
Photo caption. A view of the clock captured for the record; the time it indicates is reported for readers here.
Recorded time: 7:05
